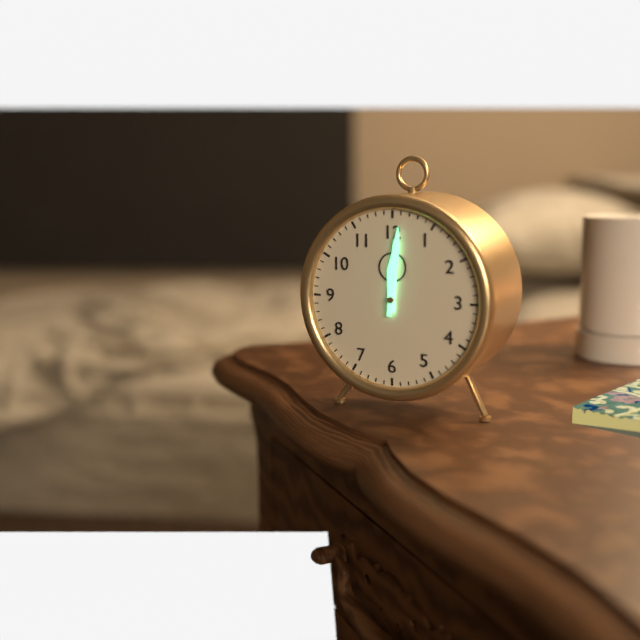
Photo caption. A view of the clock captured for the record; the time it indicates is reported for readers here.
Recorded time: 12:01
